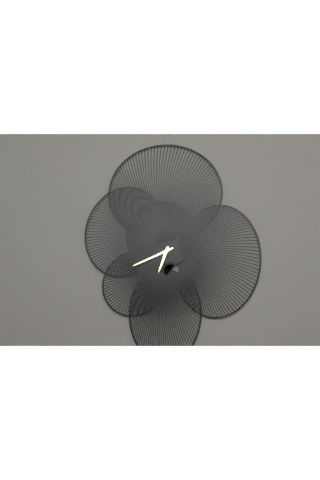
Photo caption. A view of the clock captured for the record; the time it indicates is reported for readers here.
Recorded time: 6:41
